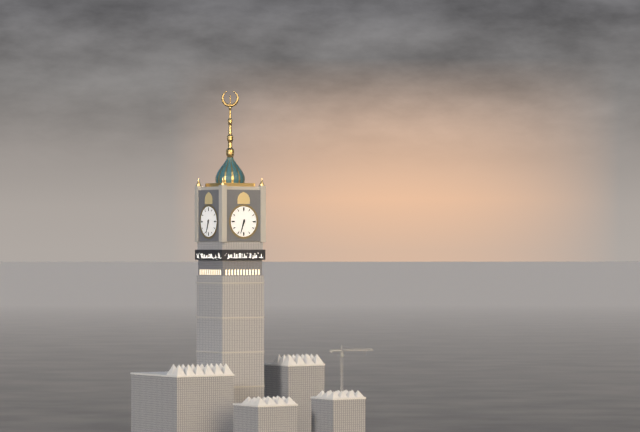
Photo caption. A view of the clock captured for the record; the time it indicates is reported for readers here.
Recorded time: 6:33
